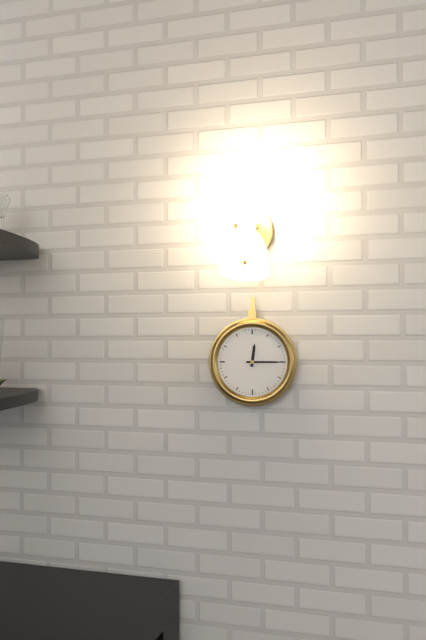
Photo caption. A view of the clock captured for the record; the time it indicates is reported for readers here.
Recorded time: 12:15
